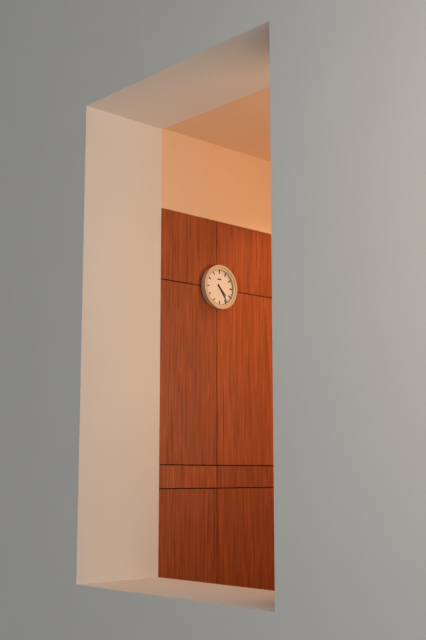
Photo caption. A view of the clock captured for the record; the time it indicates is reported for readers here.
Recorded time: 4:24
